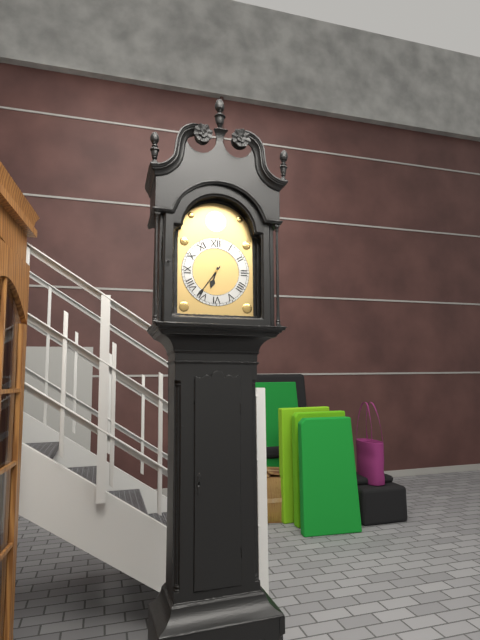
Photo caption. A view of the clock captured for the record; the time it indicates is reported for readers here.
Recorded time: 6:36
